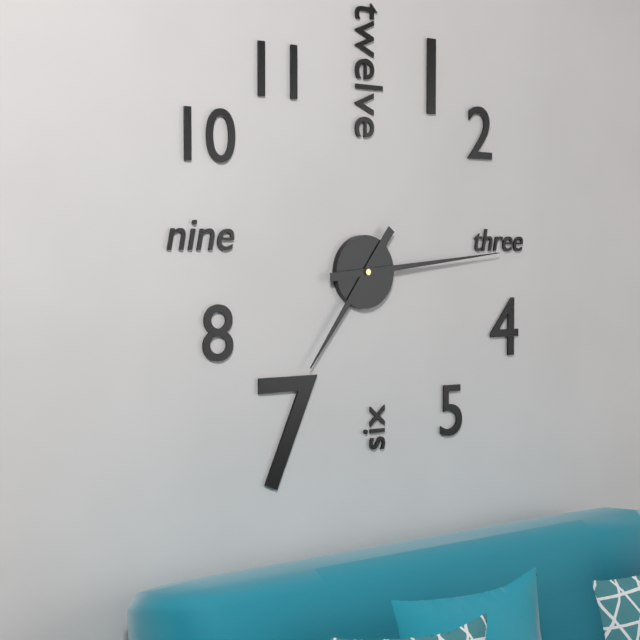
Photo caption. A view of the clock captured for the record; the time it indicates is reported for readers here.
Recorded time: 7:14
